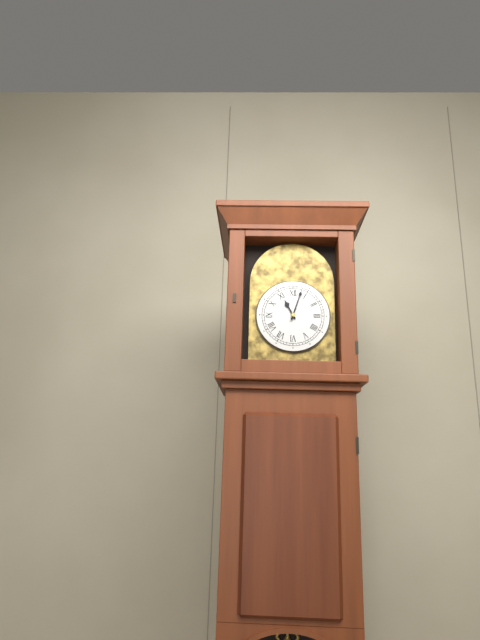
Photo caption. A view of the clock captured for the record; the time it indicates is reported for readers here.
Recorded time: 11:03
